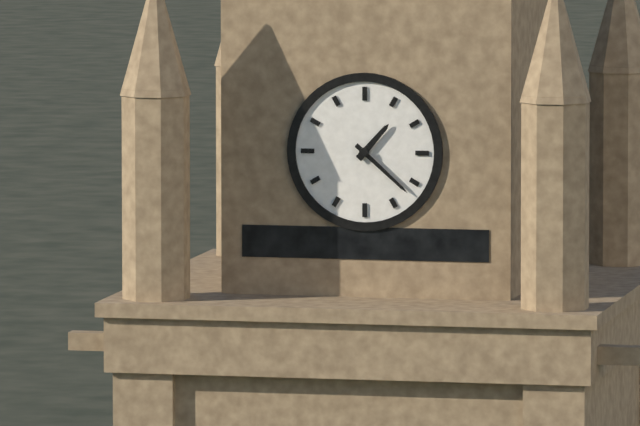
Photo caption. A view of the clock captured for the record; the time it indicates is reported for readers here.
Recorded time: 1:22
